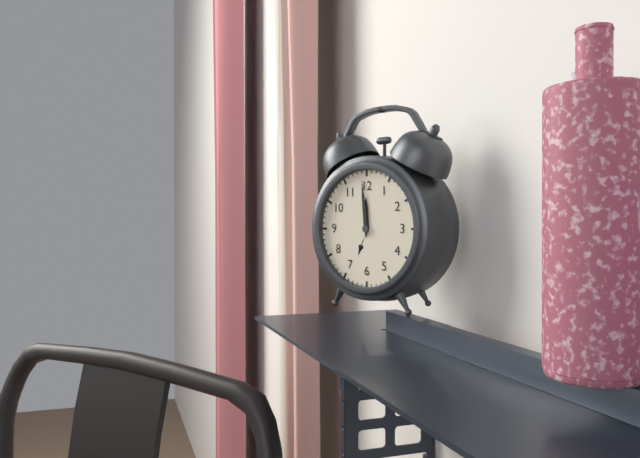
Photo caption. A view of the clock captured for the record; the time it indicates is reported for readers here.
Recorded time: 11:59
